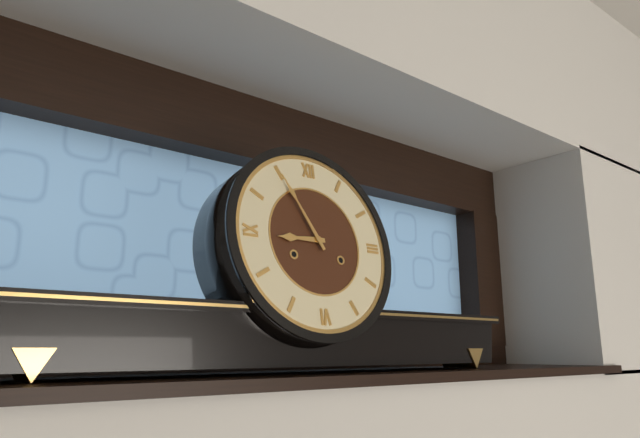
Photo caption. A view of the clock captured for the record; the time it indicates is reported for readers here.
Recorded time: 8:55
